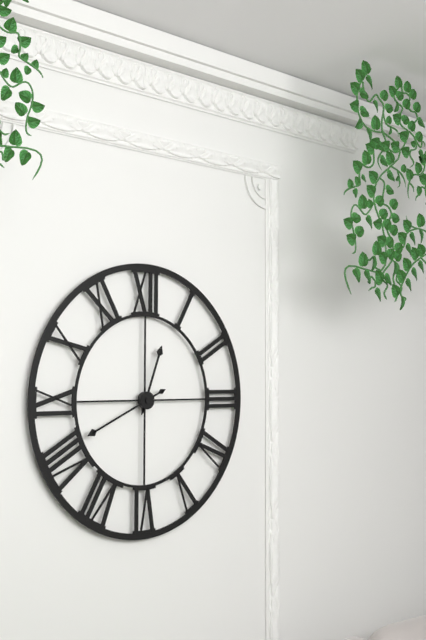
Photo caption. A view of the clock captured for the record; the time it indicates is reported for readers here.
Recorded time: 12:41
